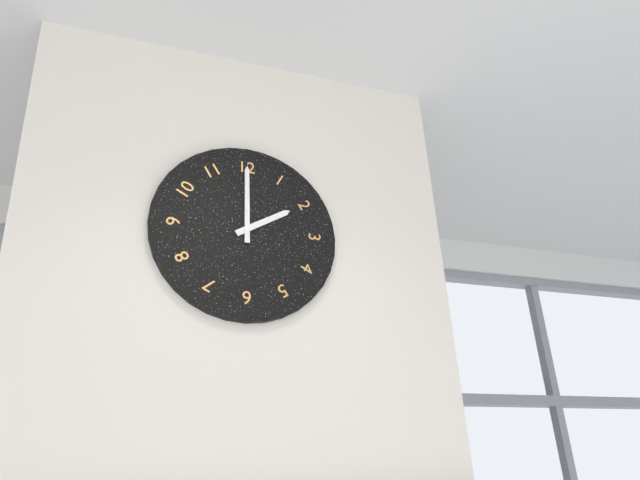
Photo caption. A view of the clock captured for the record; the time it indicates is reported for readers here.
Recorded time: 2:00
